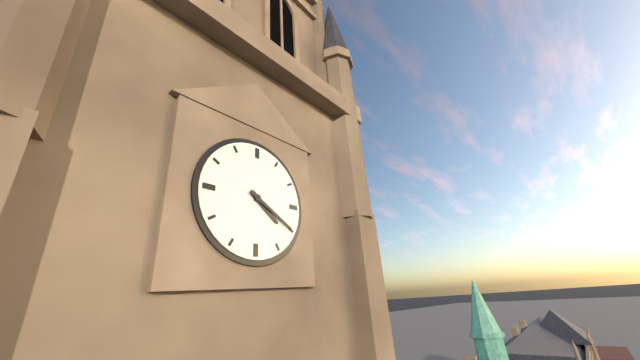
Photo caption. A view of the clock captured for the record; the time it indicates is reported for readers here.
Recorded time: 4:20
